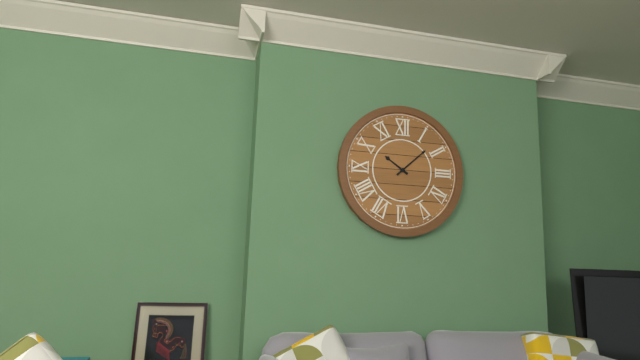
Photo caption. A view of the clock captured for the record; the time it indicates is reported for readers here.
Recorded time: 10:08
